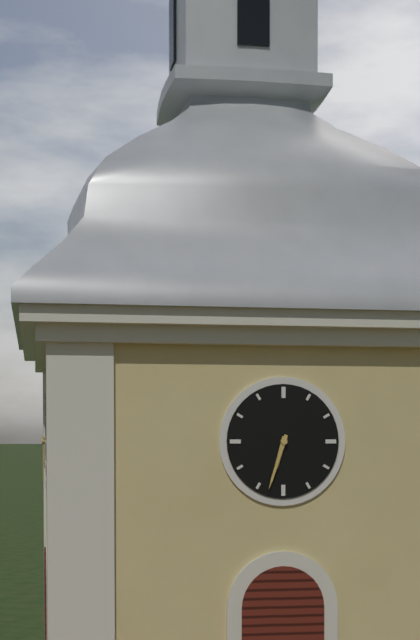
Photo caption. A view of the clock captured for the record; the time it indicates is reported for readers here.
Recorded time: 6:33
